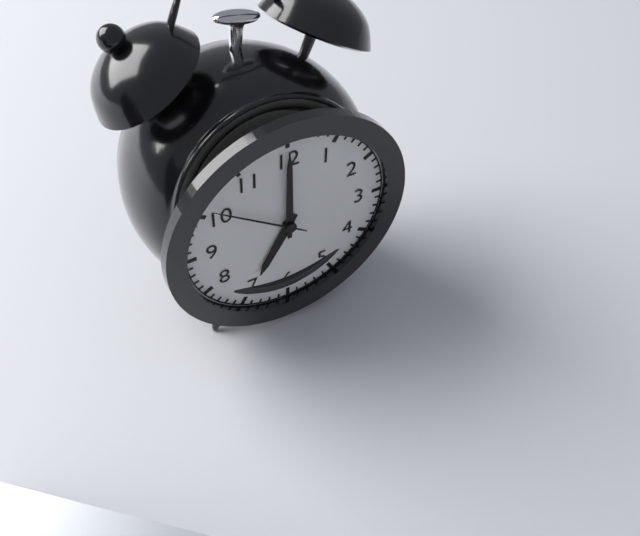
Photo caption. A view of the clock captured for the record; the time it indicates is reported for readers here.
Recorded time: 7:00:51
